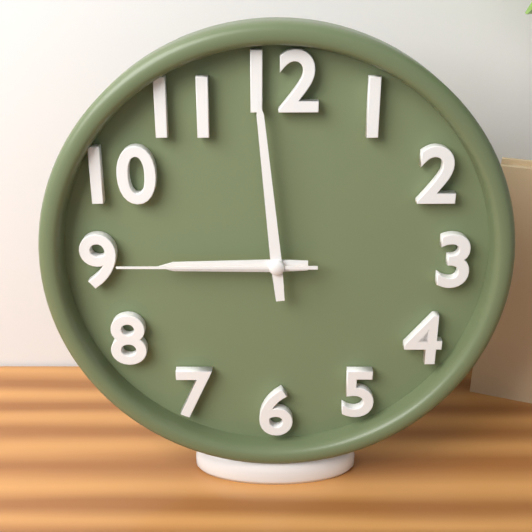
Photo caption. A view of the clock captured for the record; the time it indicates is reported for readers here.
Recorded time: 8:59:45
